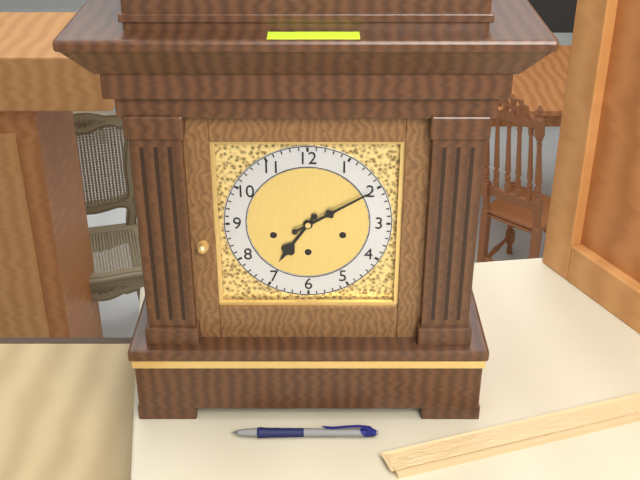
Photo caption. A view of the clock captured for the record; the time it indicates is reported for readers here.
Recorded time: 7:10
